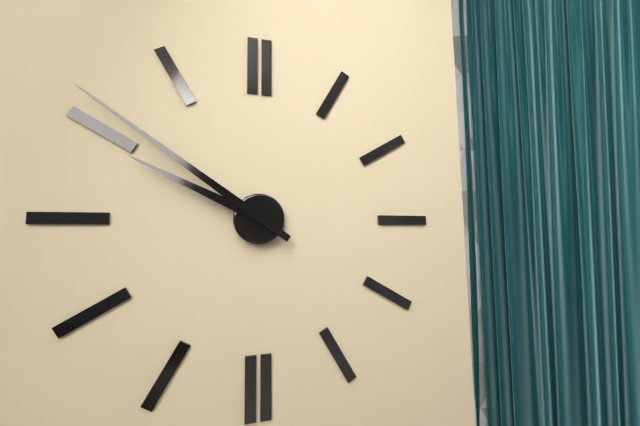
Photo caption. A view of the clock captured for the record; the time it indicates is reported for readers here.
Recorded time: 9:51
